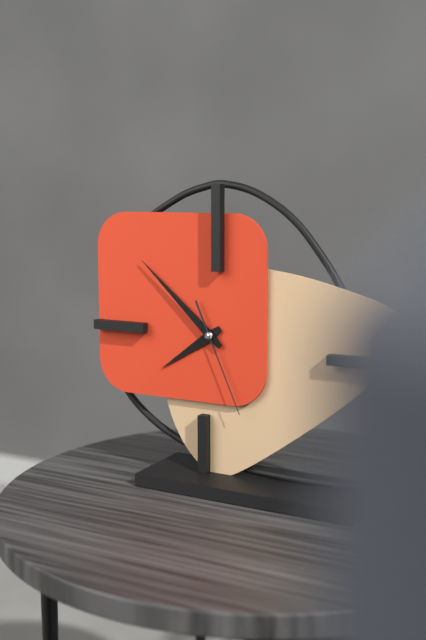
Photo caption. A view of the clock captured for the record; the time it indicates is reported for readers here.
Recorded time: 7:52:26
